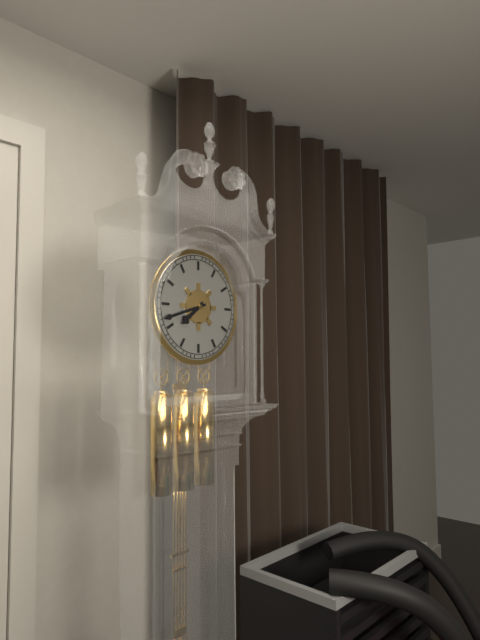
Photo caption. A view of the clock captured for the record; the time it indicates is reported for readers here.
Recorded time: 7:42
